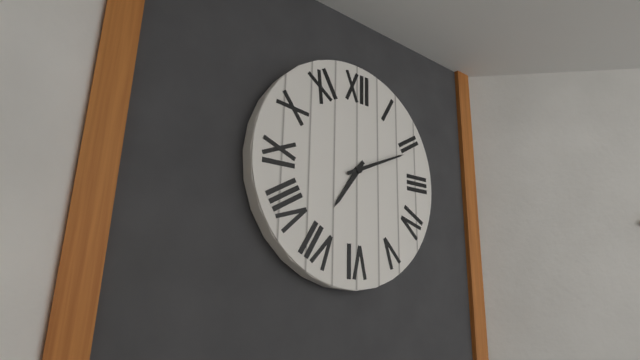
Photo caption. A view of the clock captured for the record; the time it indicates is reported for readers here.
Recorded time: 7:11
